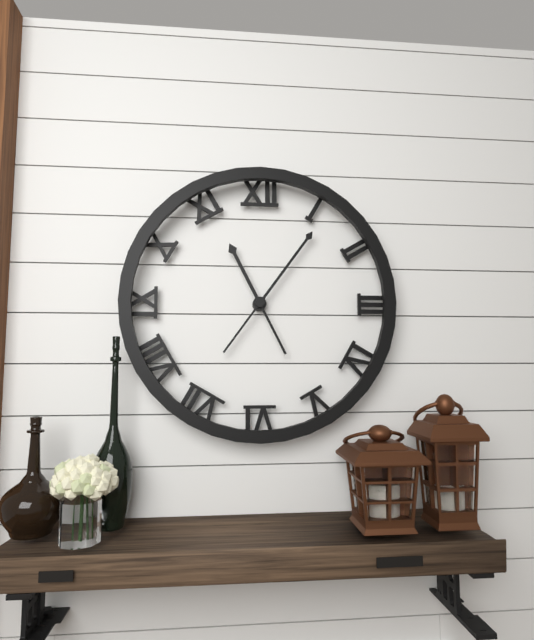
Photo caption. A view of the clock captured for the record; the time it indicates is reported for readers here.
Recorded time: 11:06
